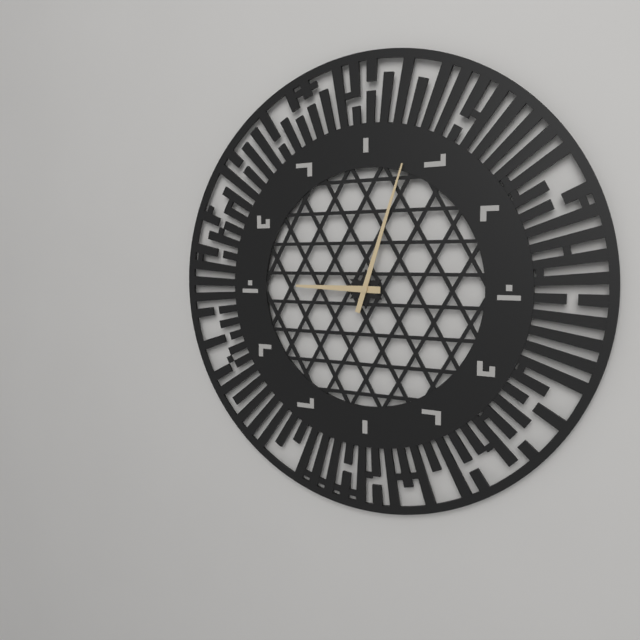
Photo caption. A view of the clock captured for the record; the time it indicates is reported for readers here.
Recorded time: 9:03
